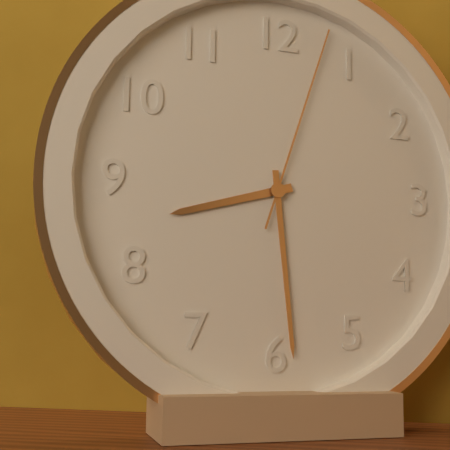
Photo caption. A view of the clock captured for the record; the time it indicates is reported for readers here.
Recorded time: 8:29:03
